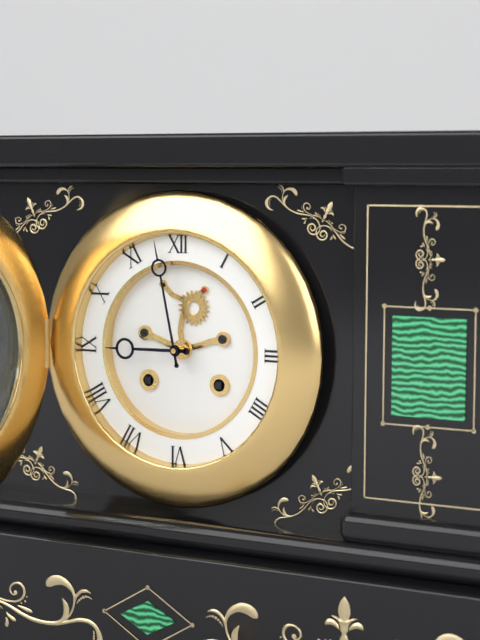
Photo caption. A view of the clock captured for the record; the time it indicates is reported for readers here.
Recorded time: 8:58
